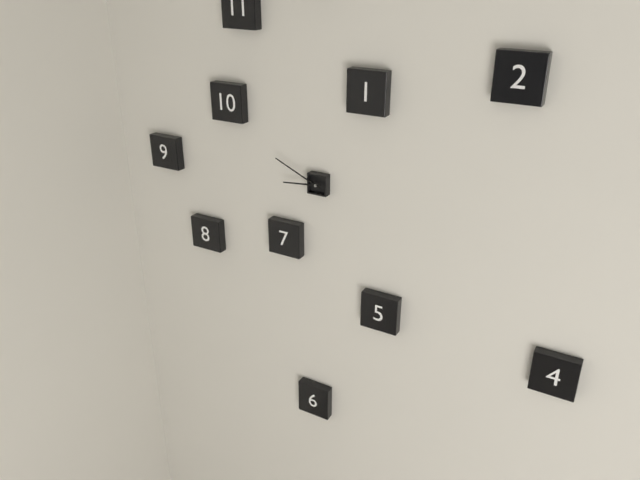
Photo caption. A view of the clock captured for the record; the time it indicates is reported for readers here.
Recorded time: 8:49
